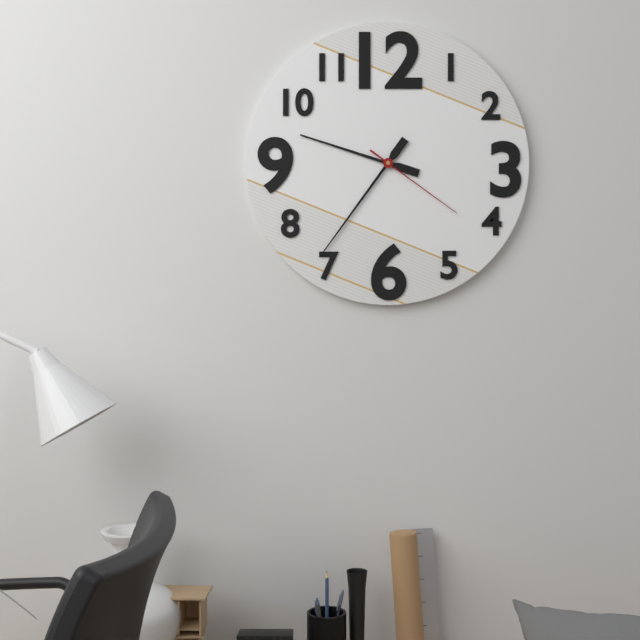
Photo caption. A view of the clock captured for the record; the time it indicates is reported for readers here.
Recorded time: 9:36:21
